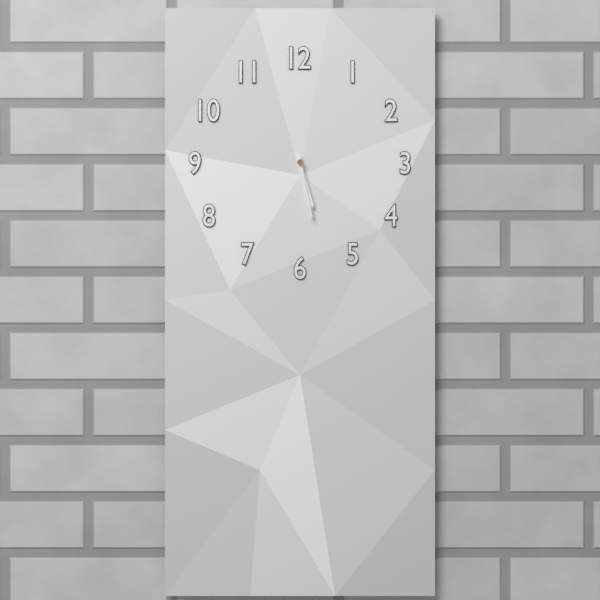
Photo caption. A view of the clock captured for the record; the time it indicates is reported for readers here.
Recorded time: 5:28
